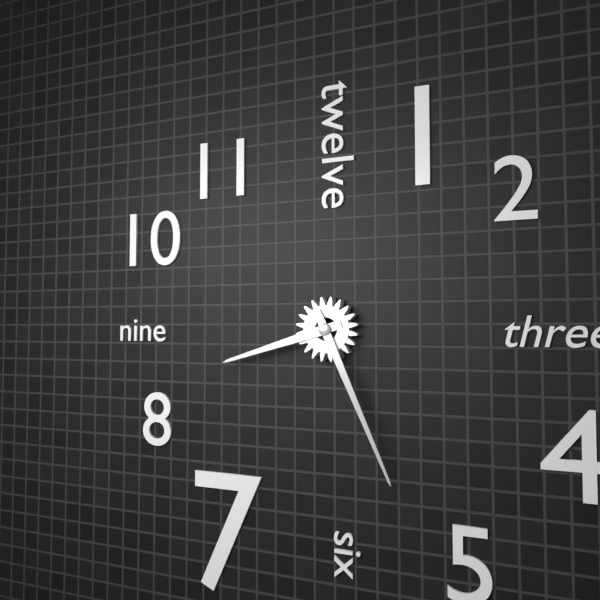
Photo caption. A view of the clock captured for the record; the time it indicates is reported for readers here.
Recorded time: 8:26
